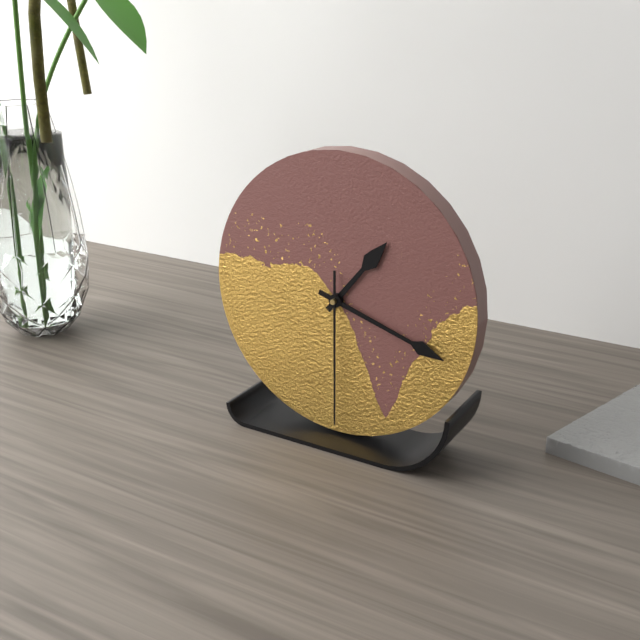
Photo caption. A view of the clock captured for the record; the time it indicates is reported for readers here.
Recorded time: 1:18:30
